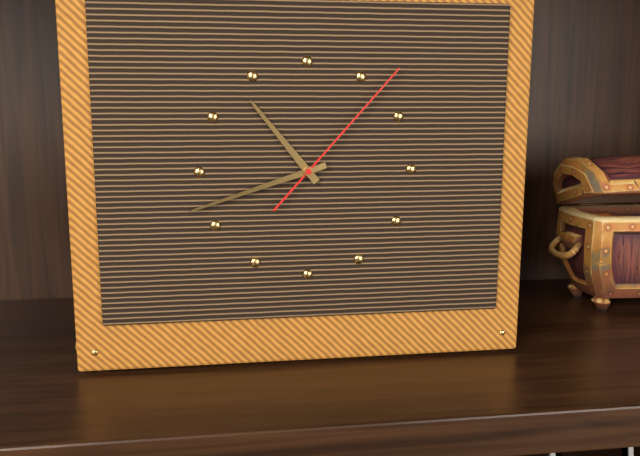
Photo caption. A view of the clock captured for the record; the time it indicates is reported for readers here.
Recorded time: 10:42:07
